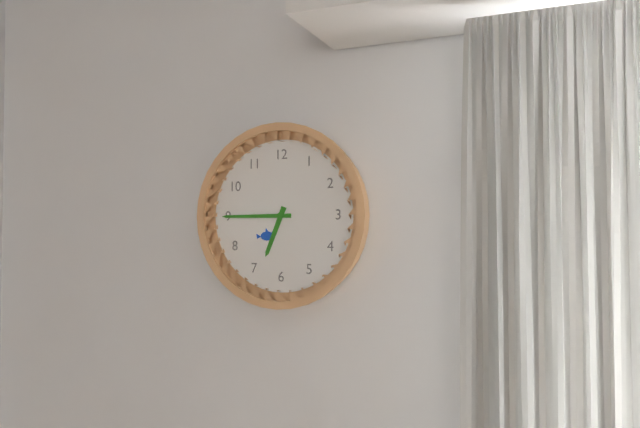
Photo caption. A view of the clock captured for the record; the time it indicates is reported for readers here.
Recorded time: 6:45
